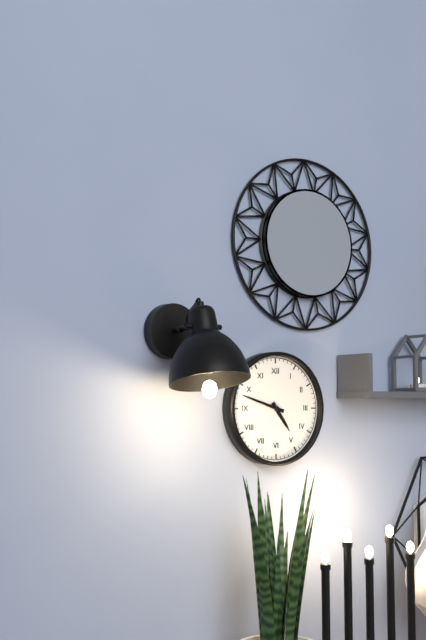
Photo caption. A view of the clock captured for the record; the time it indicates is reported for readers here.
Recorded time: 4:48
